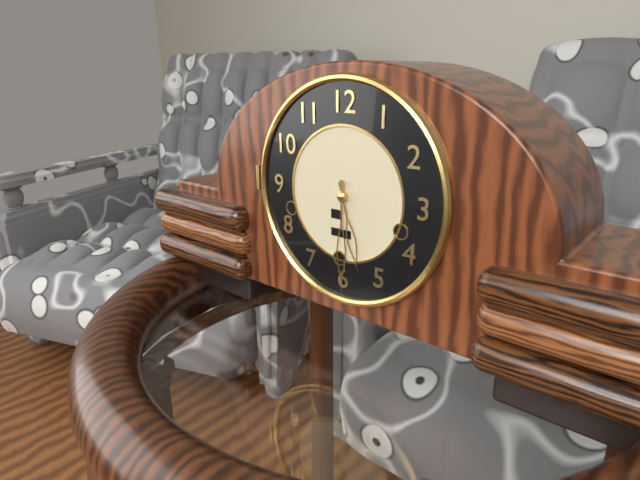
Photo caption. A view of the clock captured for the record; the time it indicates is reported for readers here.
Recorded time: 5:30
